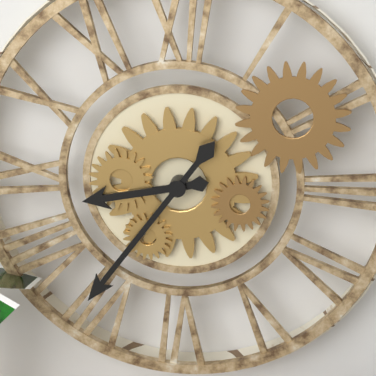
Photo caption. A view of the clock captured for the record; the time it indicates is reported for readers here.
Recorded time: 8:36
